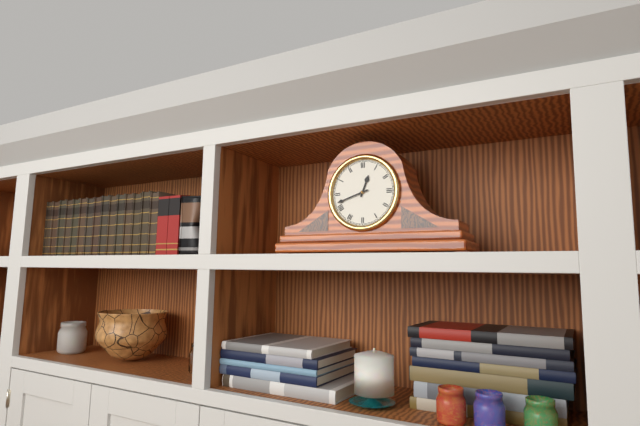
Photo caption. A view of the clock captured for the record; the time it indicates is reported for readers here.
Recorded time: 12:42
